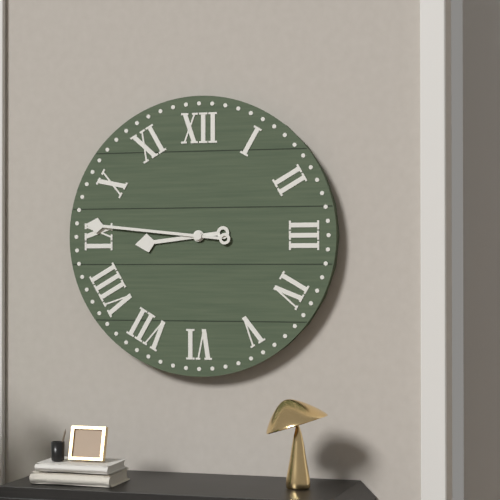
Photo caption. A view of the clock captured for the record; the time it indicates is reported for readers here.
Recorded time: 8:46
